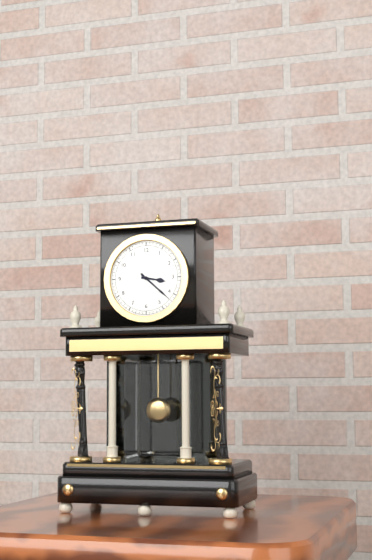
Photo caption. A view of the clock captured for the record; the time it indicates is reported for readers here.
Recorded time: 3:22
